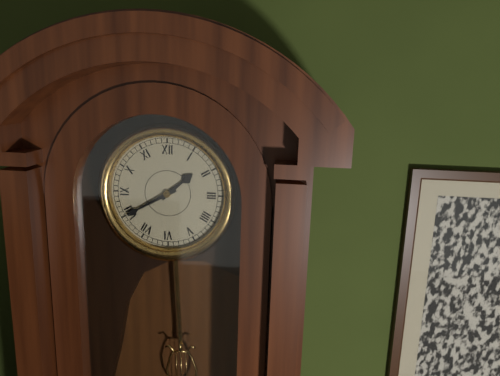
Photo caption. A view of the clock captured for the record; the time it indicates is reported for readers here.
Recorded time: 1:40
